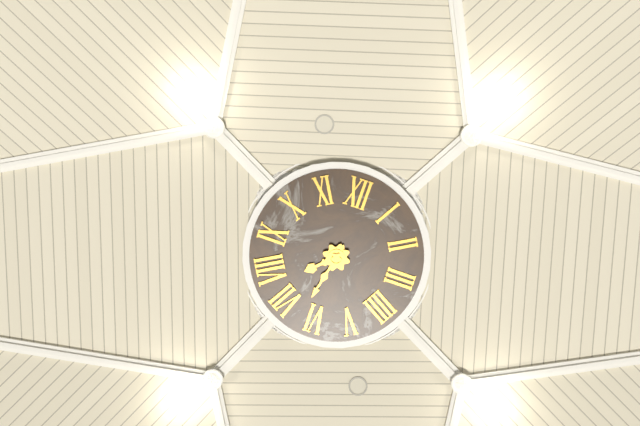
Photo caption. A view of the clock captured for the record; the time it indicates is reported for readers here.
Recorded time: 7:32
